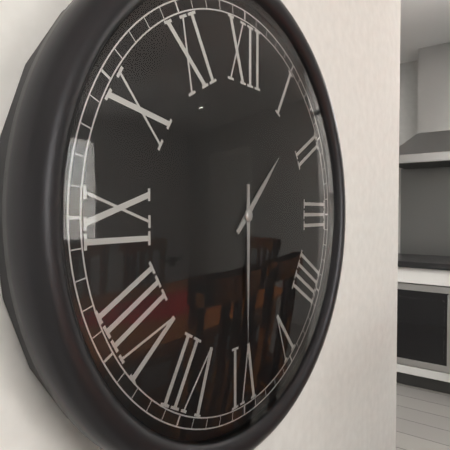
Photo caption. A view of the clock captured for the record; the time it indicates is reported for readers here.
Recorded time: 1:30
